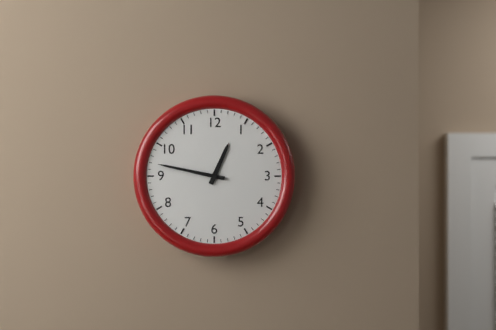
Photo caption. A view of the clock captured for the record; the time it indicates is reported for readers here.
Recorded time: 12:47
